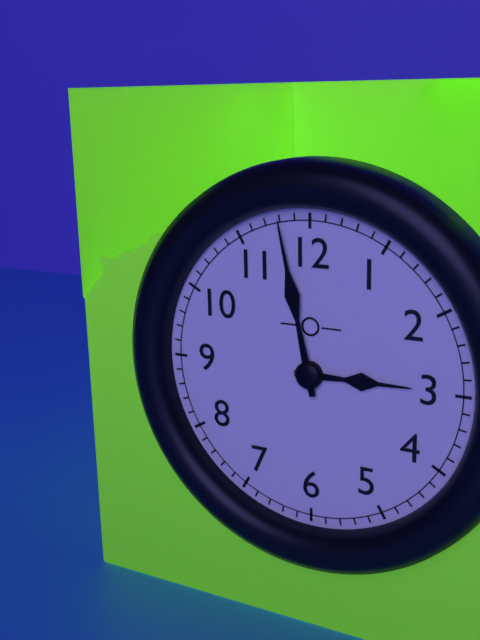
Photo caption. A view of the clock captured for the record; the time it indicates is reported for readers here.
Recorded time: 2:58
